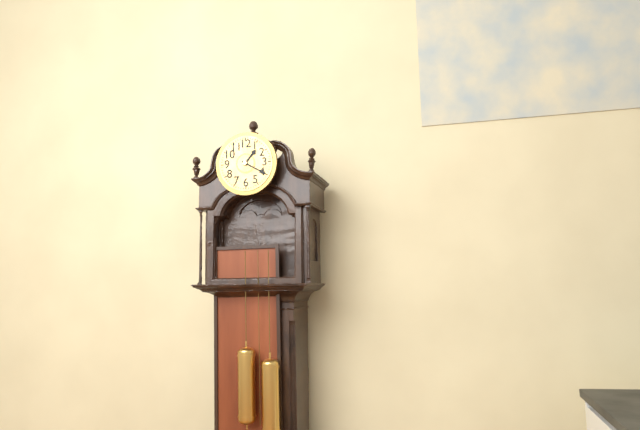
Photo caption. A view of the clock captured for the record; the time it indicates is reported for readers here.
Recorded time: 1:20
